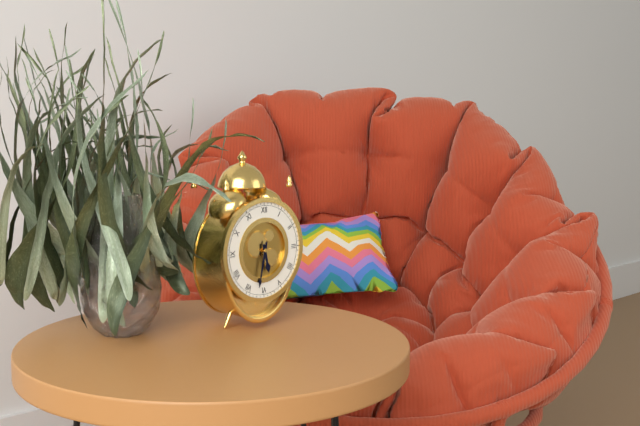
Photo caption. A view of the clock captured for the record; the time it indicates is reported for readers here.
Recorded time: 5:32
